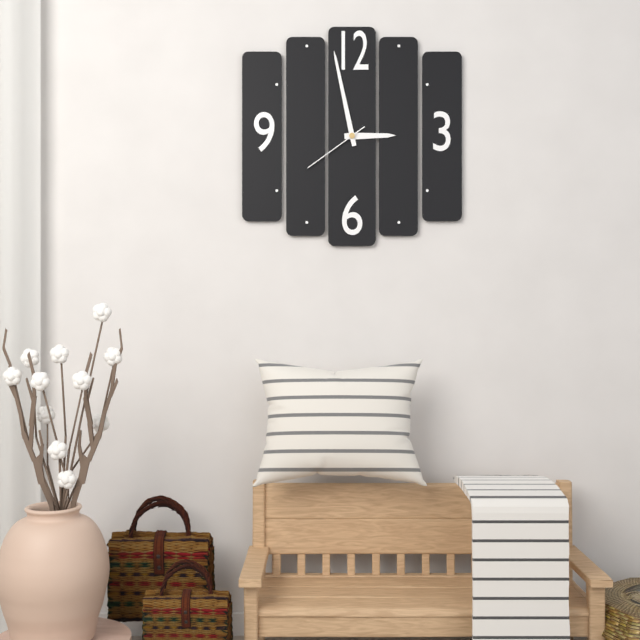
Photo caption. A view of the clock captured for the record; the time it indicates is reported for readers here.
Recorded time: 2:58:39
